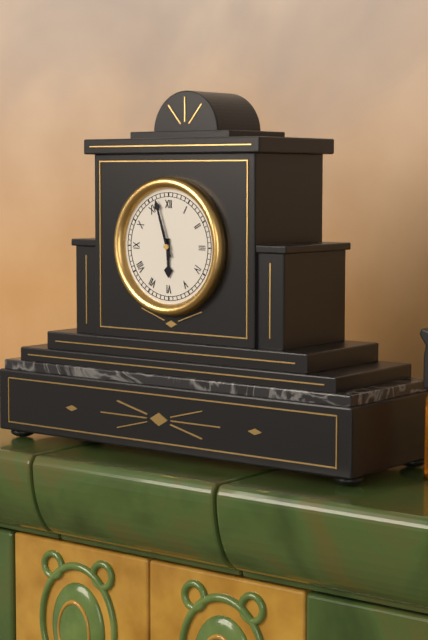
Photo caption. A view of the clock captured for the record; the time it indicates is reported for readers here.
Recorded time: 5:57
